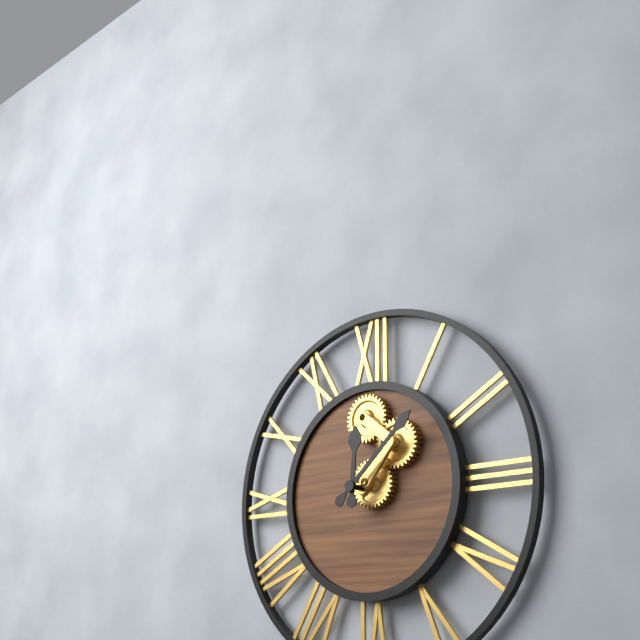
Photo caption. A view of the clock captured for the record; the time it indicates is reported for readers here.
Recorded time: 12:08
